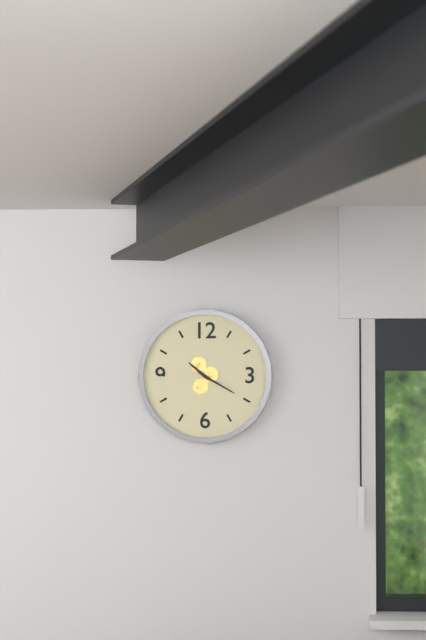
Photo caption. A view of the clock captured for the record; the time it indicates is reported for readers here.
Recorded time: 10:20
